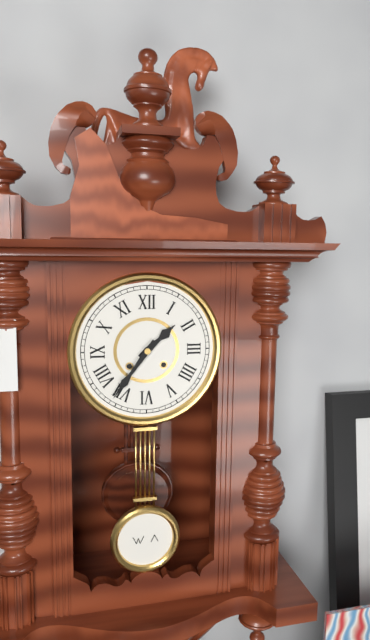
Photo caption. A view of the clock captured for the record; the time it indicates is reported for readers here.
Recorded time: 1:36
